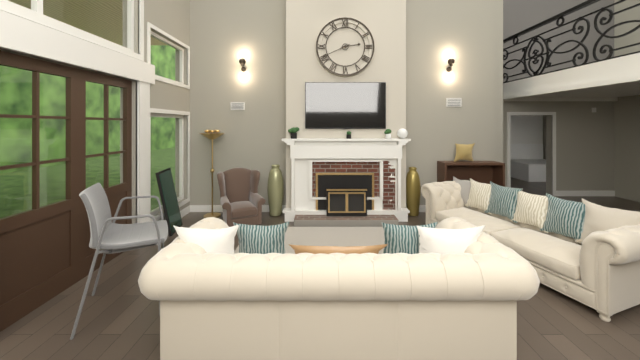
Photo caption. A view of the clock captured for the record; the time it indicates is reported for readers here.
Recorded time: 2:41
